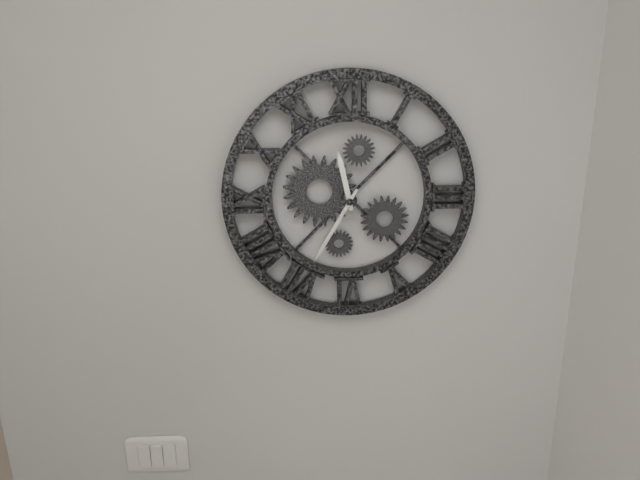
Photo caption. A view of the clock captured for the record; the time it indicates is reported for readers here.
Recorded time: 11:35
